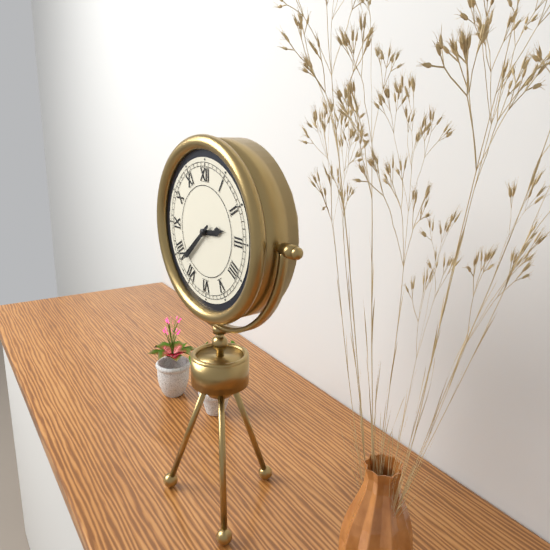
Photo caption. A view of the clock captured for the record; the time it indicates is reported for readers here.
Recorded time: 2:38
